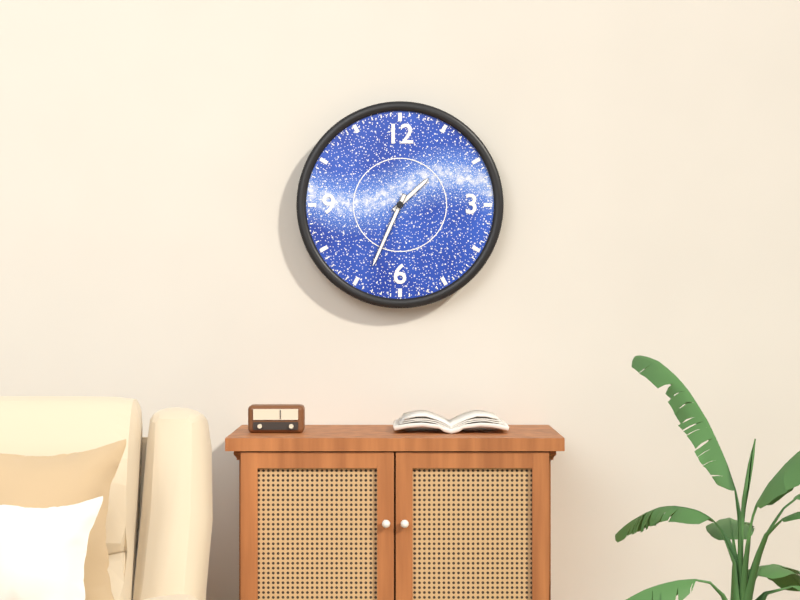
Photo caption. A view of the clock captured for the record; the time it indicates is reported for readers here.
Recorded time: 1:34
